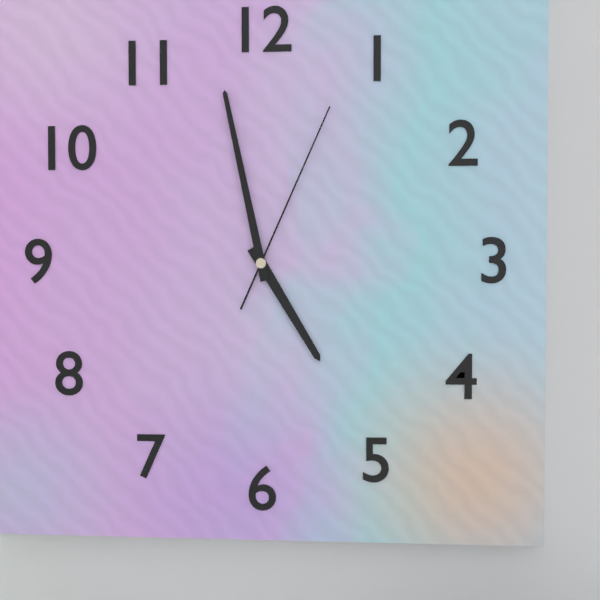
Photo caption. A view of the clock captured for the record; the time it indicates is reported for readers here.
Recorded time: 4:58:04
